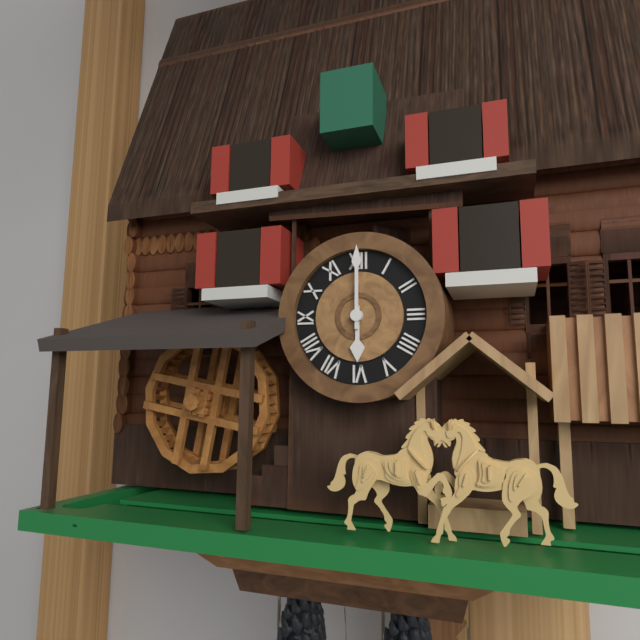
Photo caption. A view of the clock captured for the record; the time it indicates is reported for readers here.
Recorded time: 6:00
